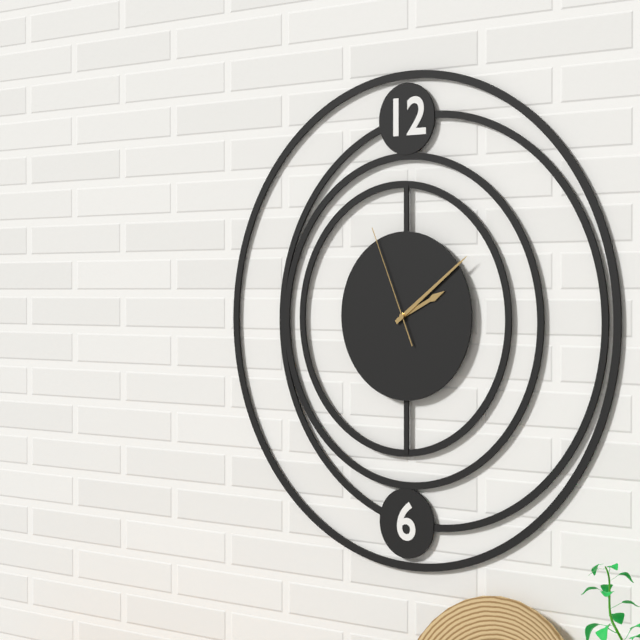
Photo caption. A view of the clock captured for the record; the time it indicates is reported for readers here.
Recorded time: 2:09:56
